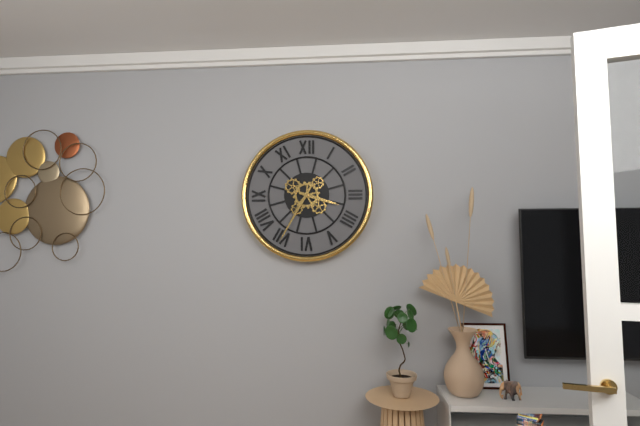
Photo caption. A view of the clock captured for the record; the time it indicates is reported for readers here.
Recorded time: 3:35
